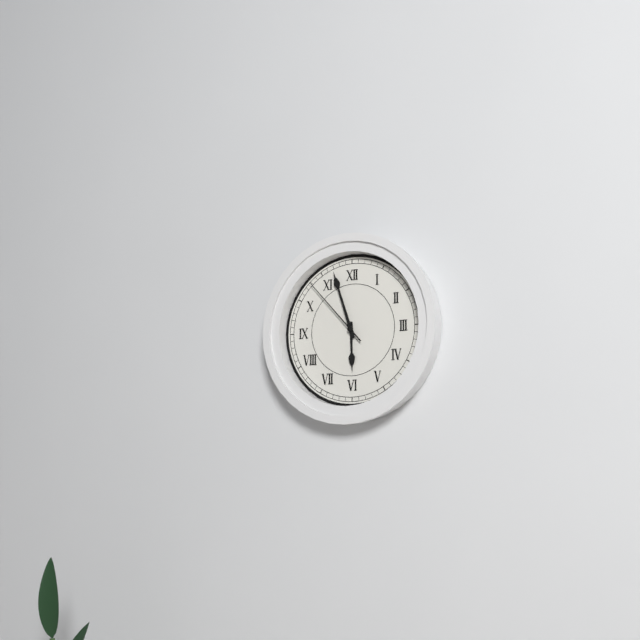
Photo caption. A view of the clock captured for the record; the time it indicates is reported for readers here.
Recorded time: 5:57:53
